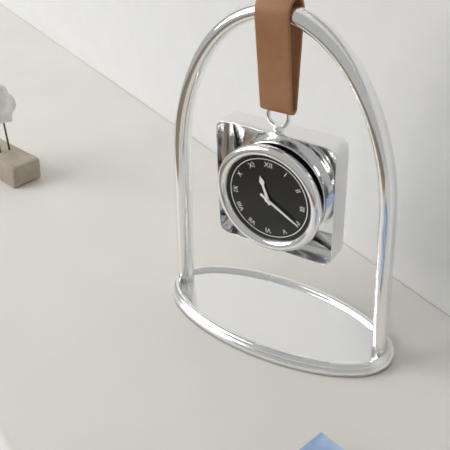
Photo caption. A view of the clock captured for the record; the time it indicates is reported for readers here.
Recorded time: 11:20
